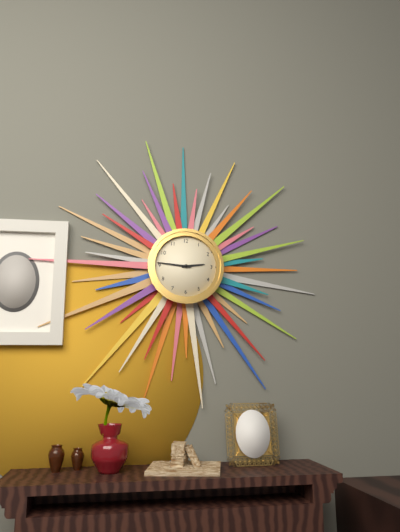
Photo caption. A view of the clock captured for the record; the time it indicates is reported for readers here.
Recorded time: 2:46
